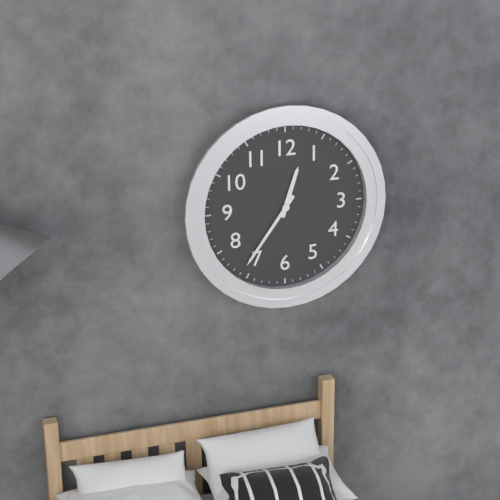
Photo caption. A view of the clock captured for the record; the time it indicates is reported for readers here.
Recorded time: 12:36
